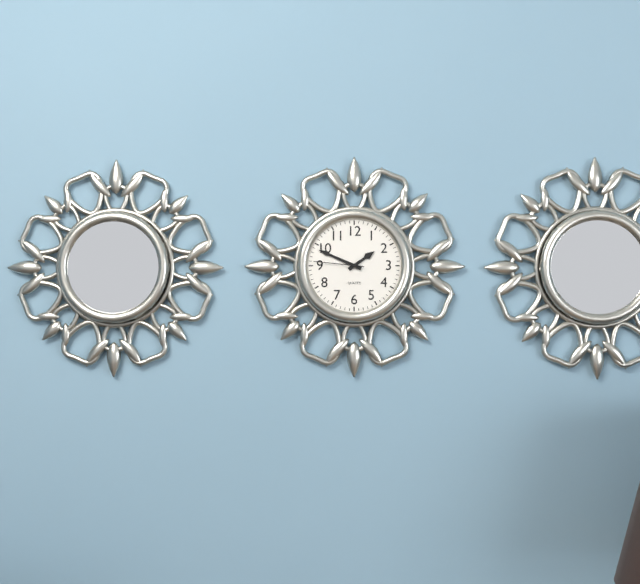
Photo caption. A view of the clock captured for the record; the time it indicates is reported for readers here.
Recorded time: 1:49:46
